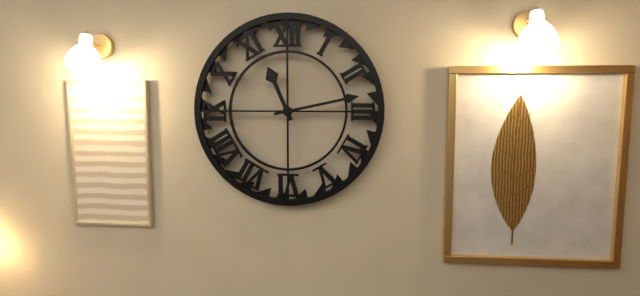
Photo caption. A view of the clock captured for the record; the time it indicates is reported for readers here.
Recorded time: 11:13
